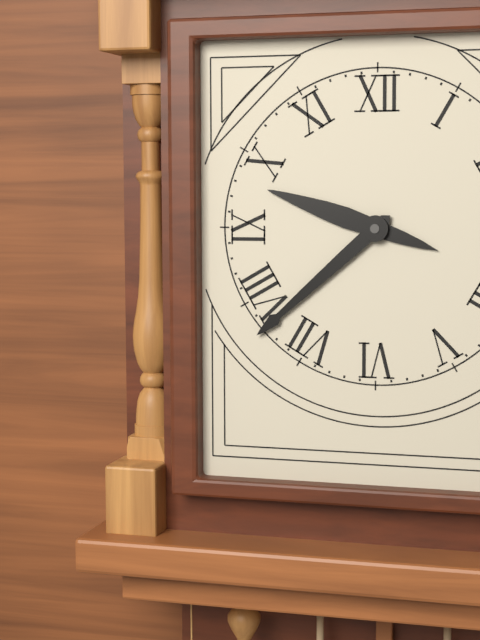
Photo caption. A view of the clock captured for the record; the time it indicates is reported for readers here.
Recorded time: 9:38
